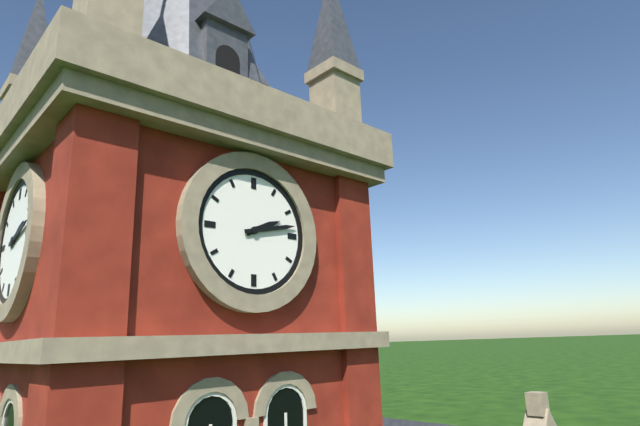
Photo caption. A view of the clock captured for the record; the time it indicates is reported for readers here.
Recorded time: 2:13
